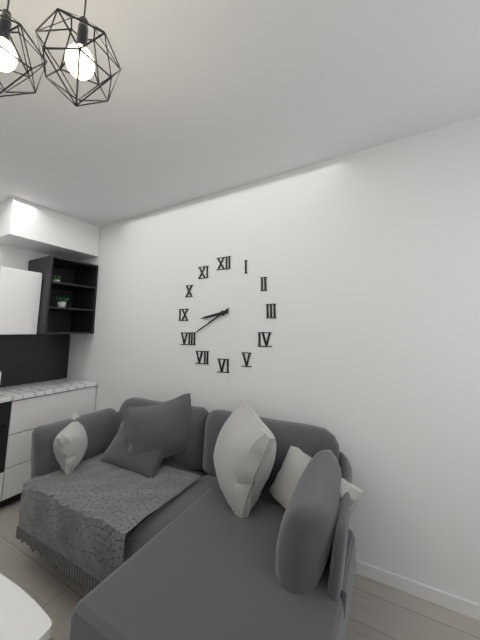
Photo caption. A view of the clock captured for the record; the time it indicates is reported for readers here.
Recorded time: 8:40
